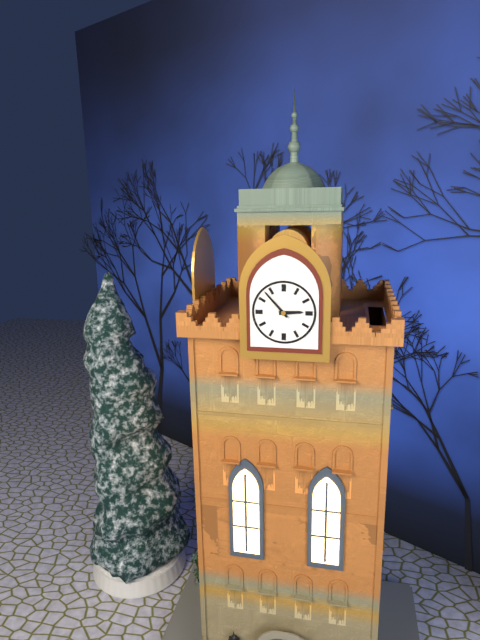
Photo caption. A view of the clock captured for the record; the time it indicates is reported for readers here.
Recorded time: 2:53
